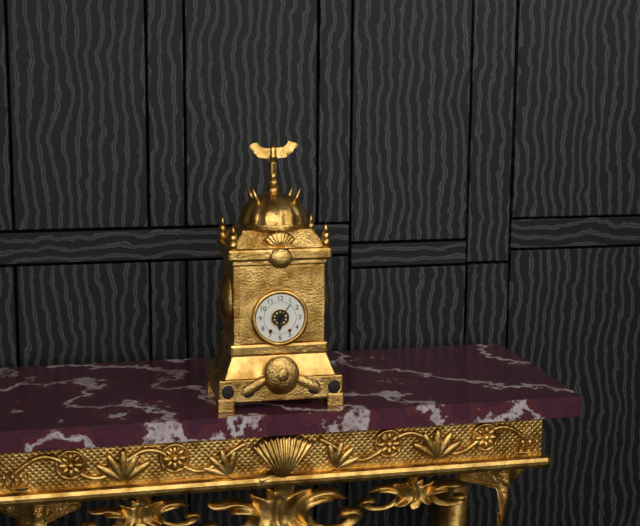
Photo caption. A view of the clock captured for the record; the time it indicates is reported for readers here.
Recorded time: 6:06
